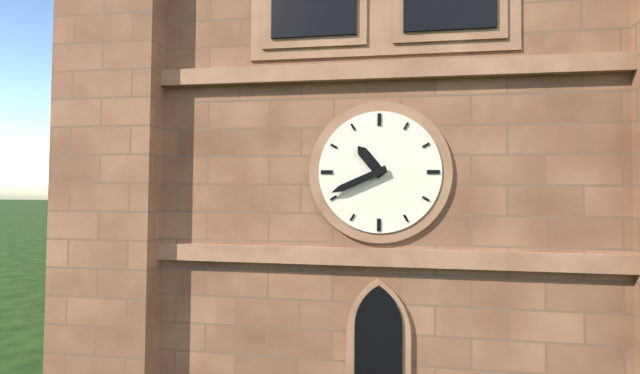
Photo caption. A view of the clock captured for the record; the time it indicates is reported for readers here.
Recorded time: 10:41
